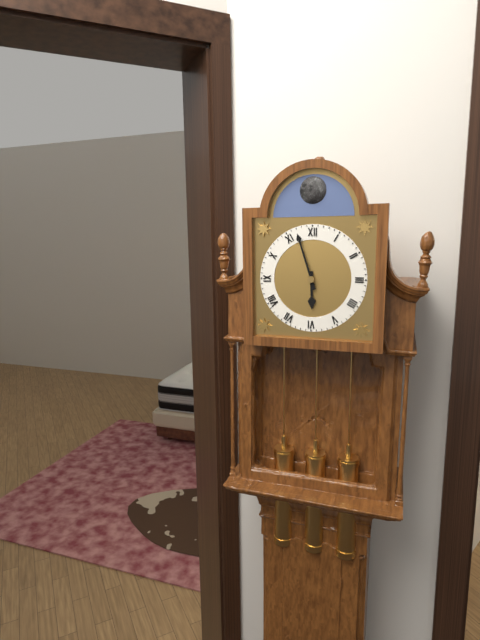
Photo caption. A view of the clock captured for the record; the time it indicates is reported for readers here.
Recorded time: 5:57
